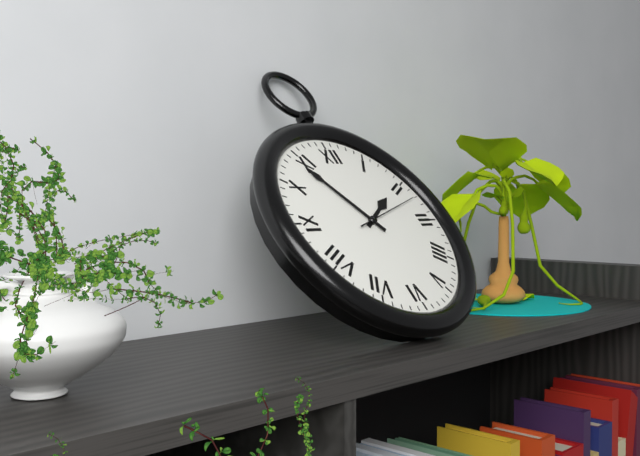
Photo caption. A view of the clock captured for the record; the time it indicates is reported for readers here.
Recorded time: 1:54:12
